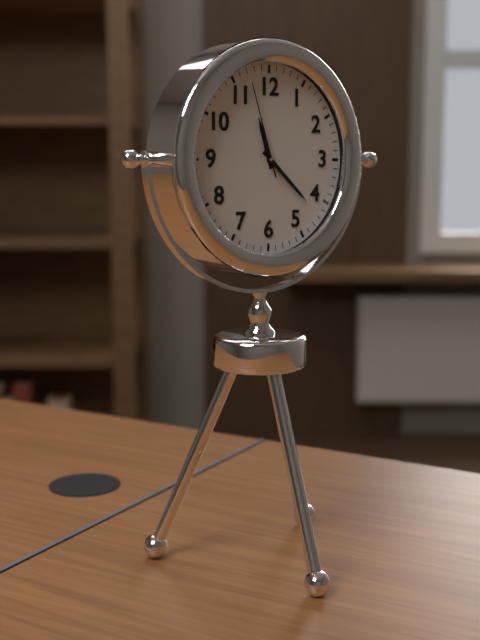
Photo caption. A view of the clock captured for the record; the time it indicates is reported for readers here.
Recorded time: 11:22:57
